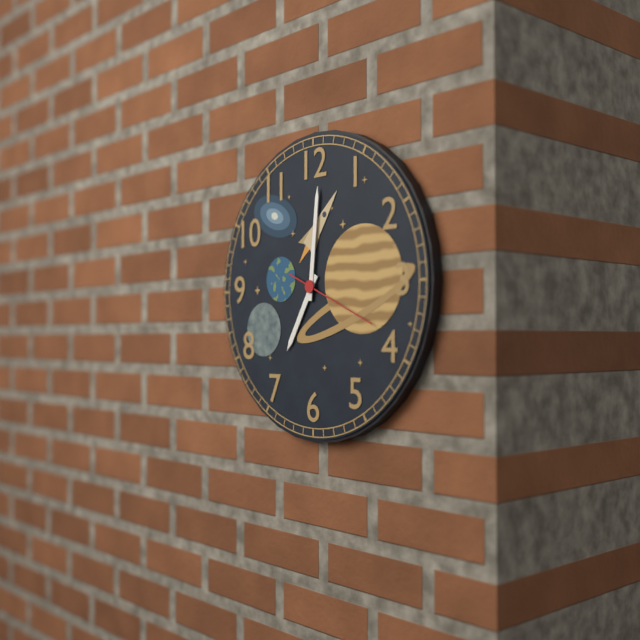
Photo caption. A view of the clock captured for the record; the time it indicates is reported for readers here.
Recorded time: 7:01:19
